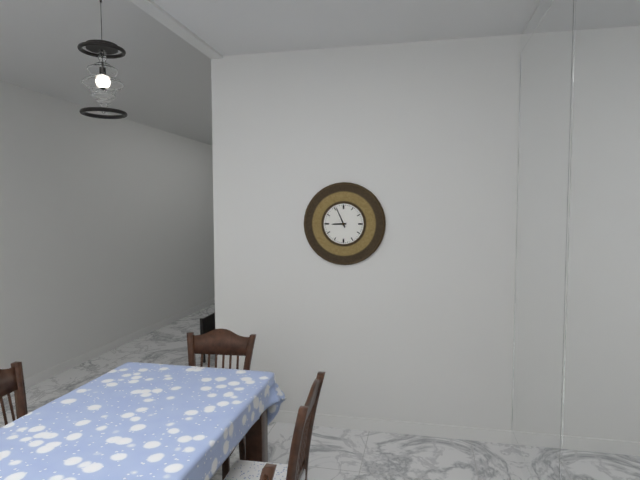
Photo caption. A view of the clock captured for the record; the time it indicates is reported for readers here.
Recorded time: 8:56
